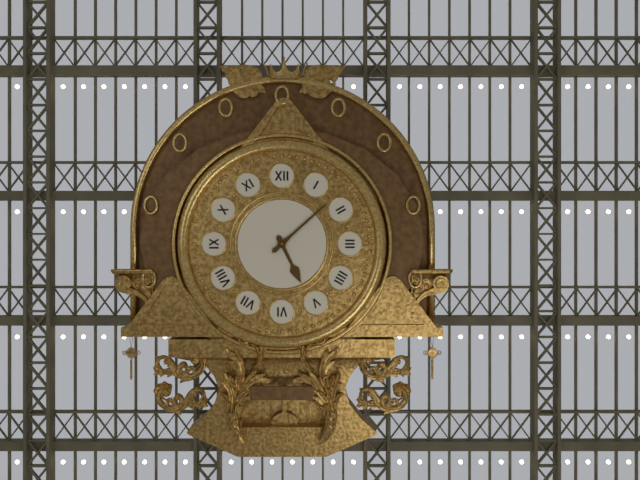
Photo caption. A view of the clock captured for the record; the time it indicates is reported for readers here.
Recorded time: 5:08
